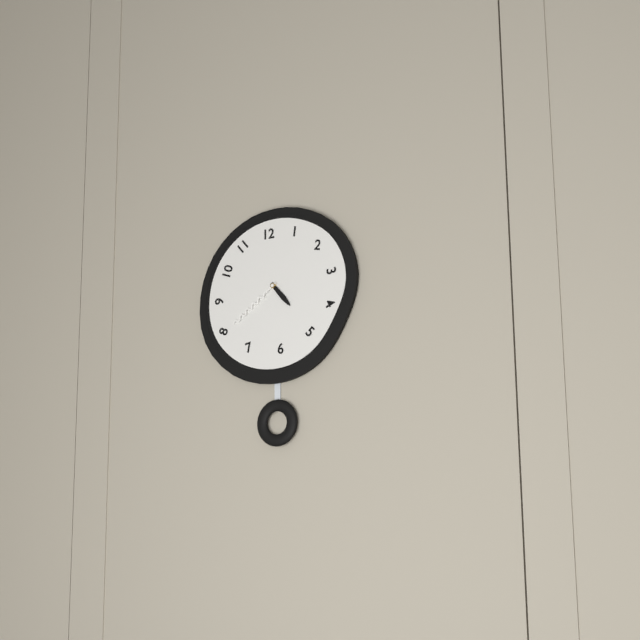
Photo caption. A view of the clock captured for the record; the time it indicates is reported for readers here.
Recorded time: 4:39
